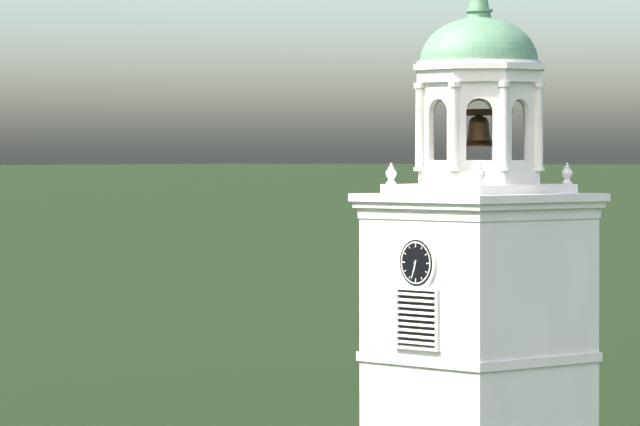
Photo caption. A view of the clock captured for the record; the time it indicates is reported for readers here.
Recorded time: 6:33
